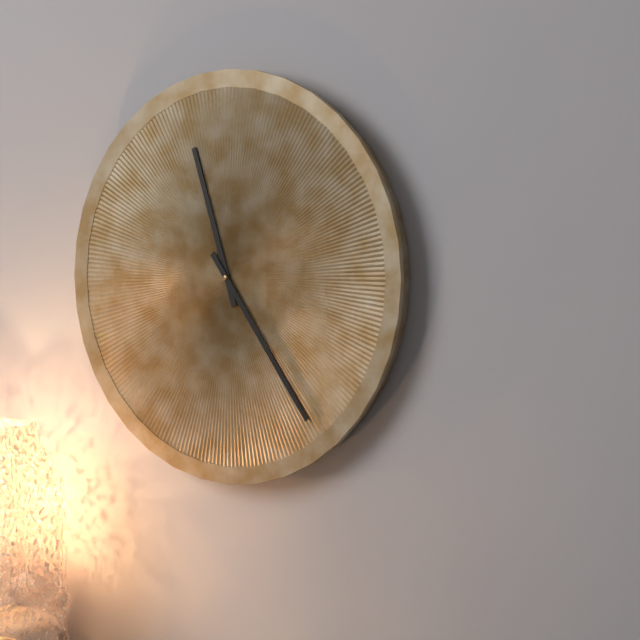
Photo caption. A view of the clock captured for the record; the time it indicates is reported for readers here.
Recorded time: 11:24
